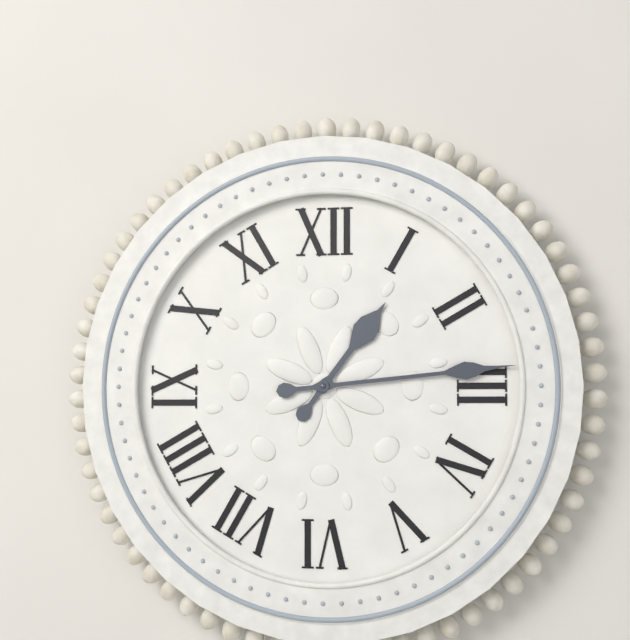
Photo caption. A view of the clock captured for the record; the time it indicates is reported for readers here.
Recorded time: 1:14
